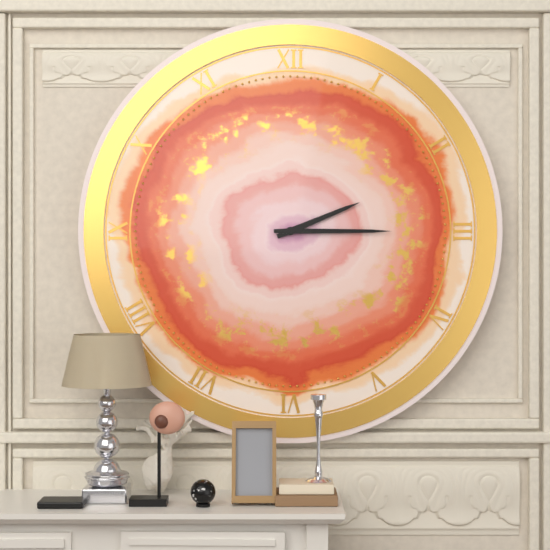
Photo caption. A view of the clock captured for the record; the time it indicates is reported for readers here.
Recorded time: 2:15
